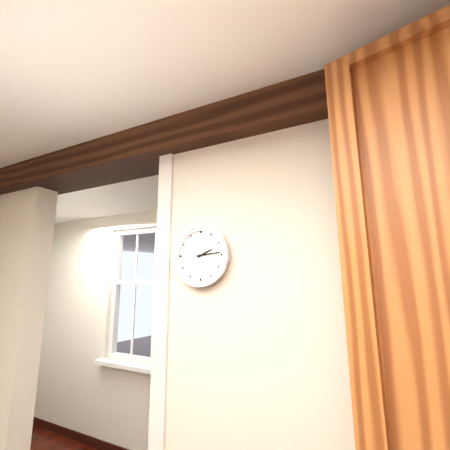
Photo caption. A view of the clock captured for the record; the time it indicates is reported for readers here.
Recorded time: 2:14
